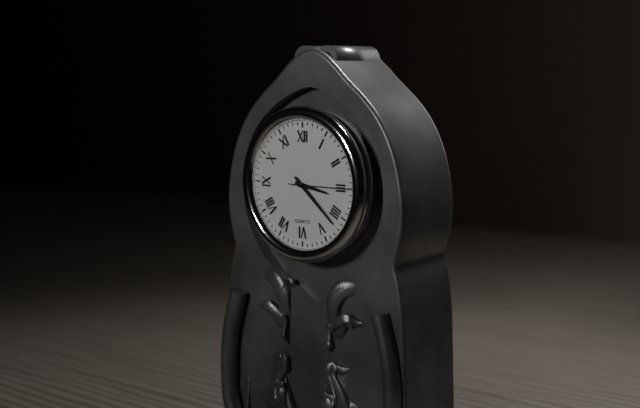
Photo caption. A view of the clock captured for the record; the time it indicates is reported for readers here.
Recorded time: 3:22:15
